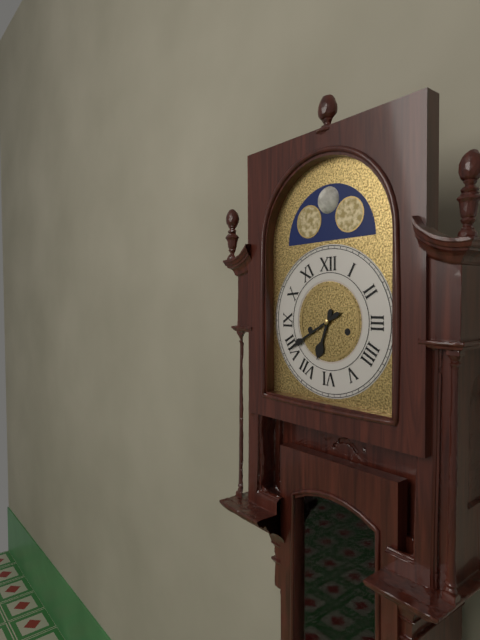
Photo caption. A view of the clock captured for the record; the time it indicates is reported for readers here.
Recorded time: 6:40
